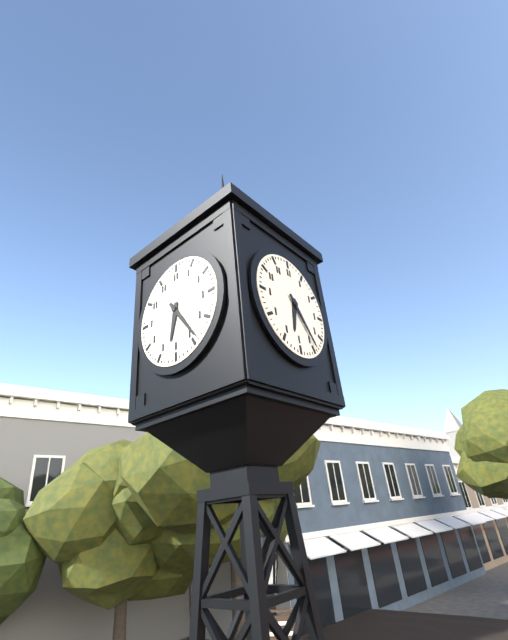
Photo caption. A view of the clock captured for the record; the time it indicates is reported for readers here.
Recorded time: 6:24
